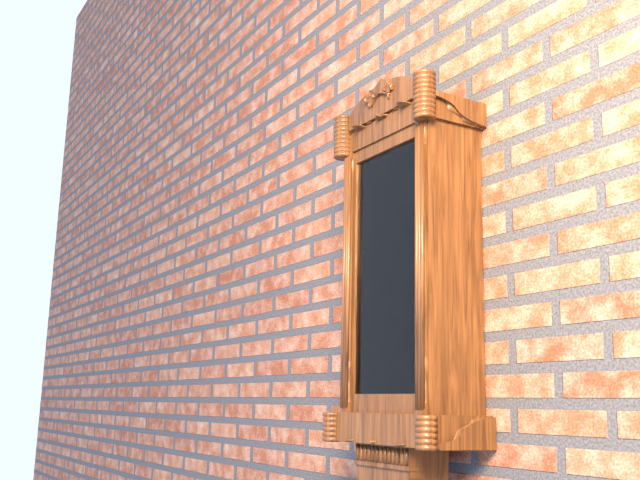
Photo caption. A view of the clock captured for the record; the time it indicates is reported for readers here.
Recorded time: 10:45
